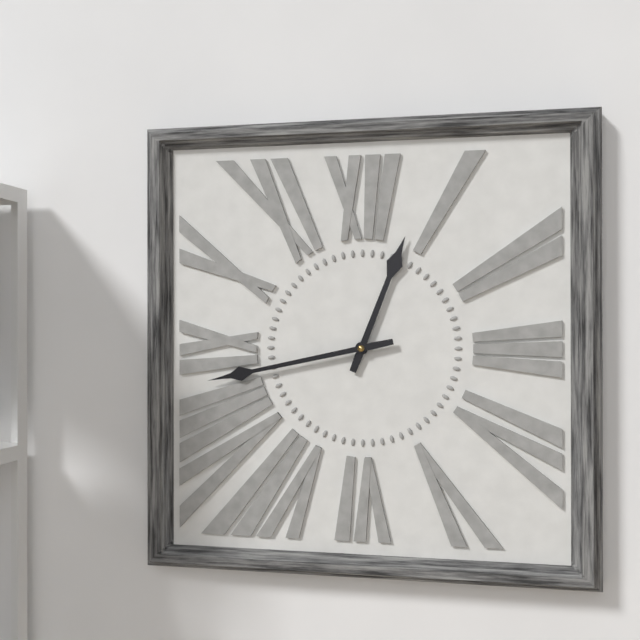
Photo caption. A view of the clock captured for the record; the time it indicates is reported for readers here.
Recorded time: 12:43
